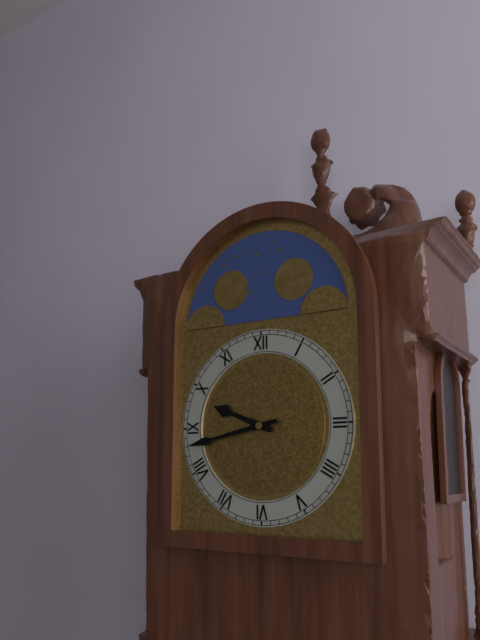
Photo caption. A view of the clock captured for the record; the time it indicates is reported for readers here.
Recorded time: 9:43
